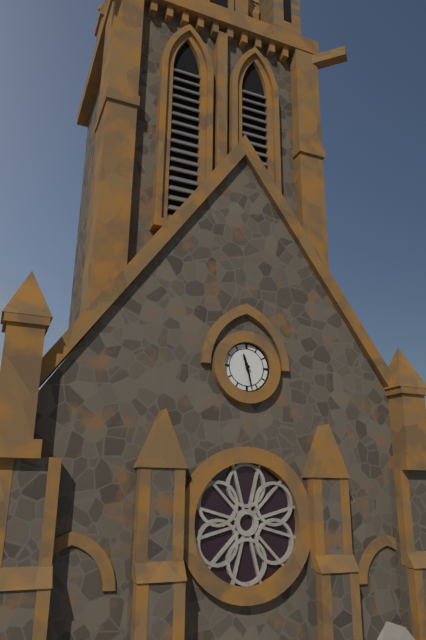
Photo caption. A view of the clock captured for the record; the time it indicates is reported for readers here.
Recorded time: 11:28
